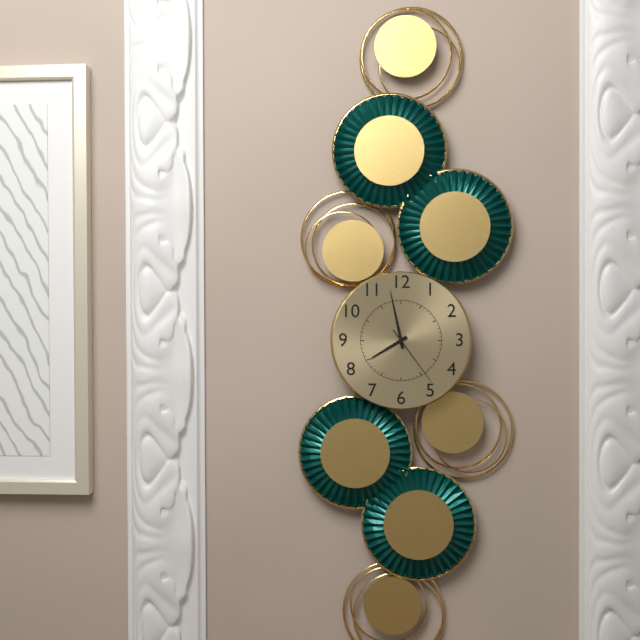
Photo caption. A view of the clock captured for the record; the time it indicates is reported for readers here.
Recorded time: 7:58:24
